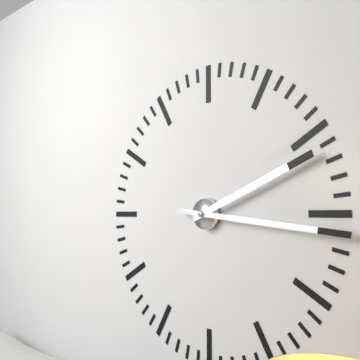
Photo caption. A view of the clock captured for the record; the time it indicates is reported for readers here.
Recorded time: 2:16
